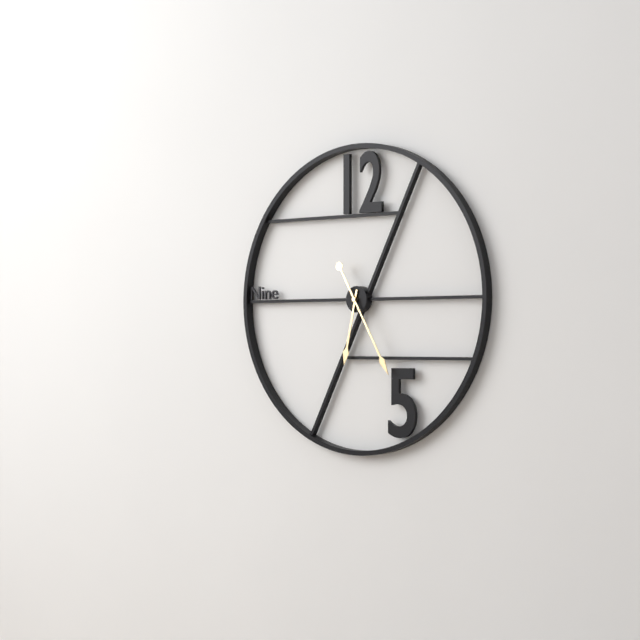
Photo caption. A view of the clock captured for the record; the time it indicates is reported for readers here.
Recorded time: 6:25
